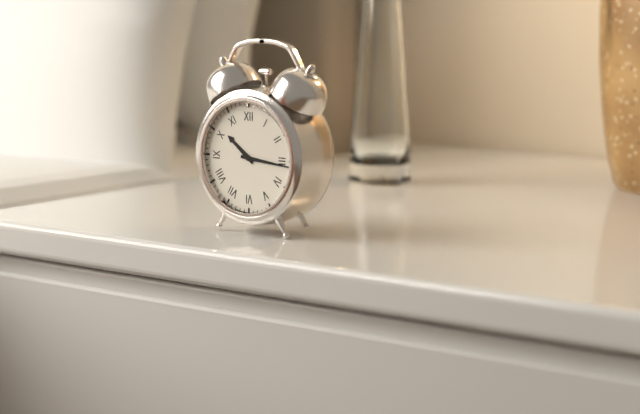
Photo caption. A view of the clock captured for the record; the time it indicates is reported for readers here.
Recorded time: 10:16
